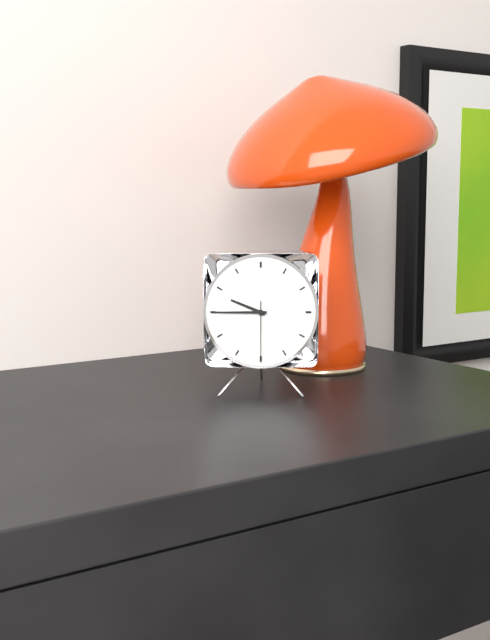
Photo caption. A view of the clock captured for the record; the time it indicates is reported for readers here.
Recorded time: 9:45:30
